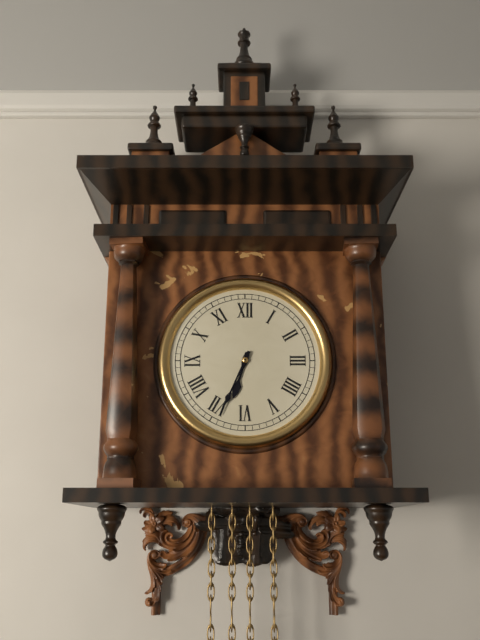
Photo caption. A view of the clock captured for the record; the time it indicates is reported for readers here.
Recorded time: 6:34
